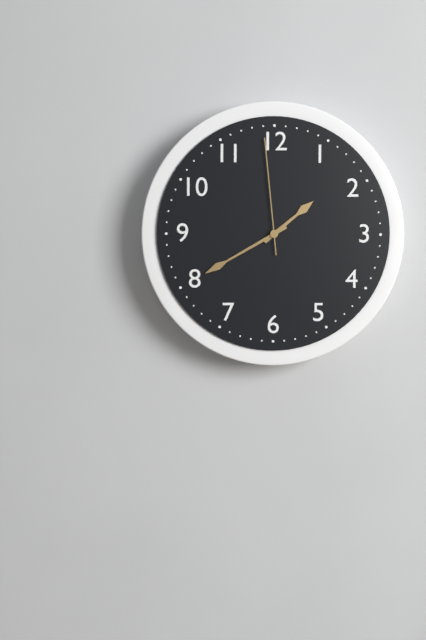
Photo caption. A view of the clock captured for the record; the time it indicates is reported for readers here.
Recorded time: 1:40:59
